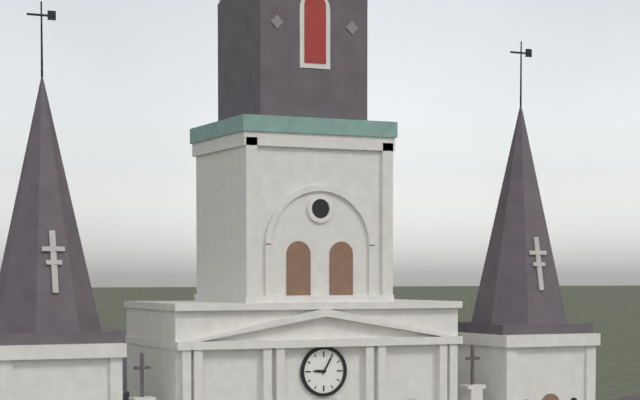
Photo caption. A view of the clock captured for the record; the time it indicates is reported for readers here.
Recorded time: 9:05
